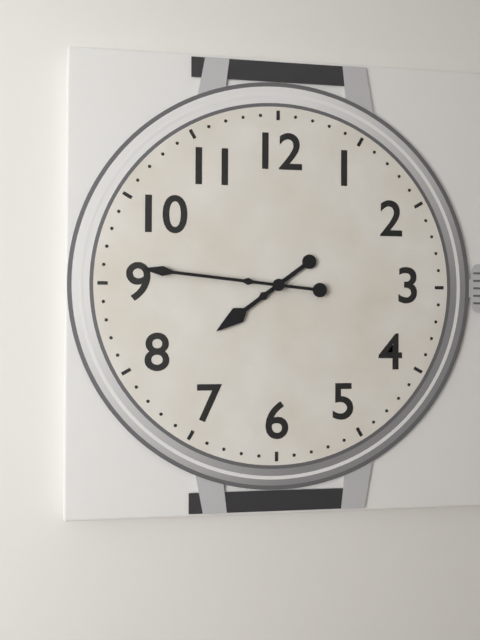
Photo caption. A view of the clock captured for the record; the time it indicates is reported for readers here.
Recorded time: 7:46
